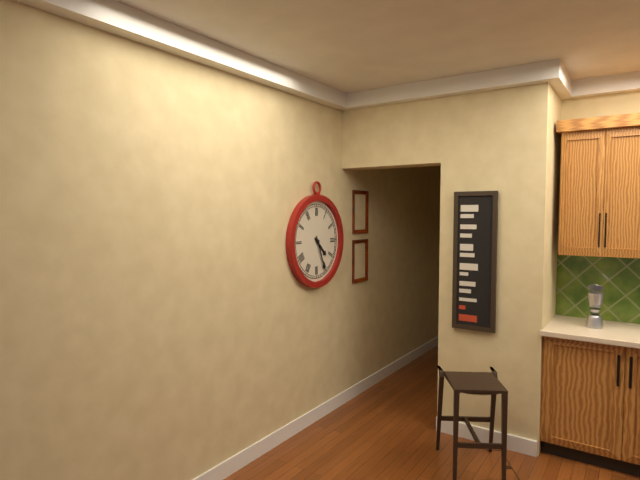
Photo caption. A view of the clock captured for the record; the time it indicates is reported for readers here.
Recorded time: 4:26
